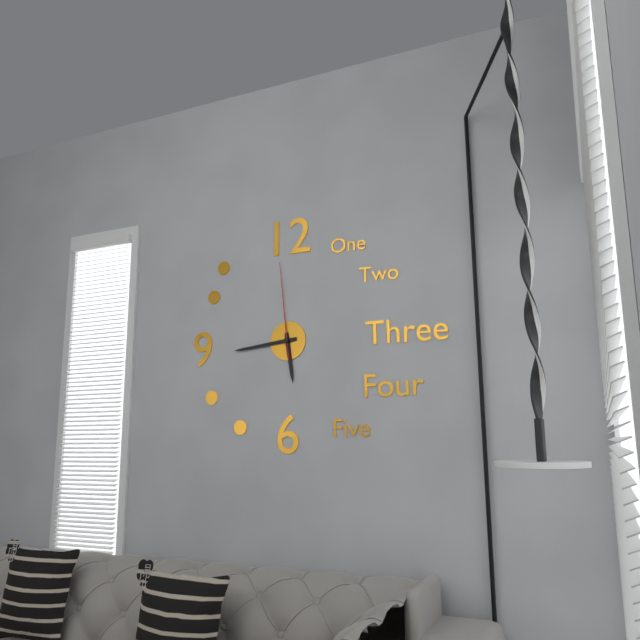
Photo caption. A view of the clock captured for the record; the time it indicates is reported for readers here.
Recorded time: 5:44:59
